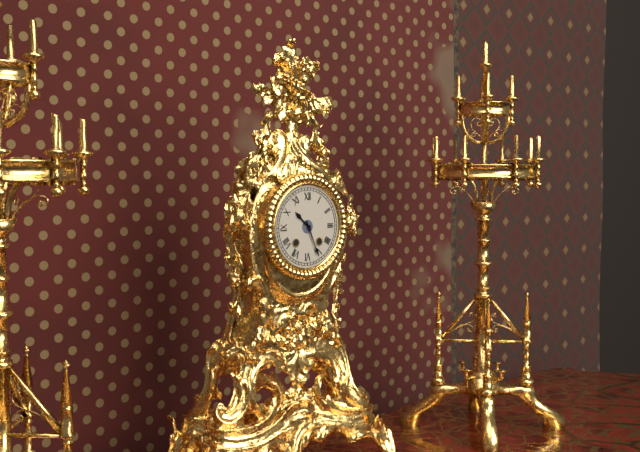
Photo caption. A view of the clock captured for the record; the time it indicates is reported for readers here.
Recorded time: 10:26
